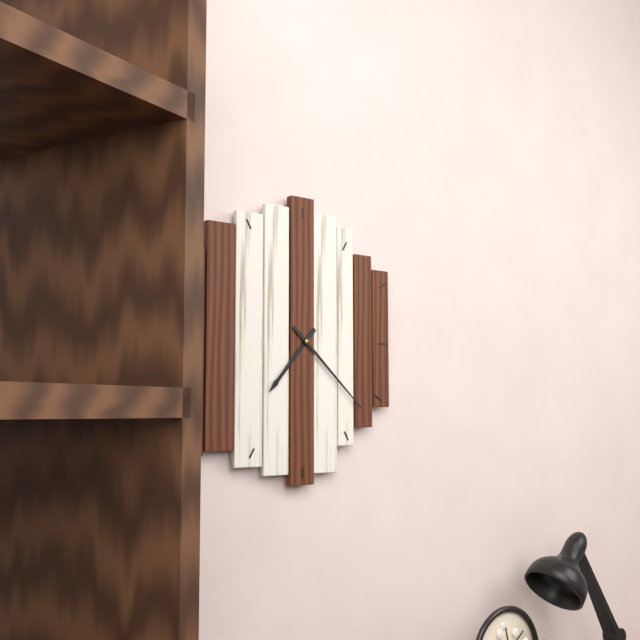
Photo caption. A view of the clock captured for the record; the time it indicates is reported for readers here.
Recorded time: 7:22
